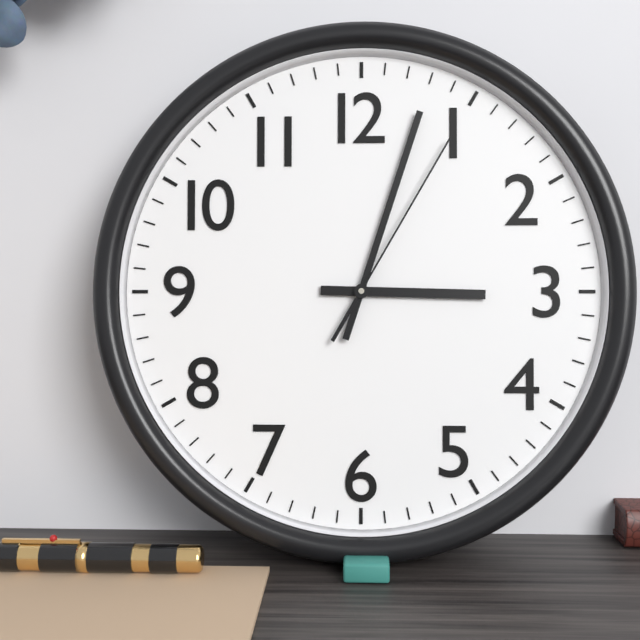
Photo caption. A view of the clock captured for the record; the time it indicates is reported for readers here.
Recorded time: 3:03:05
